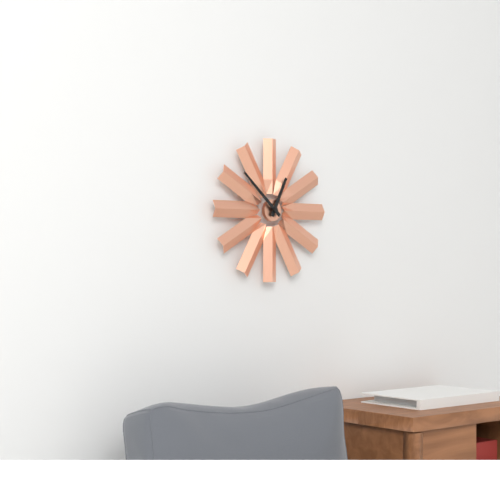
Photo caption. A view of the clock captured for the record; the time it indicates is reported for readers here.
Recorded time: 12:52
